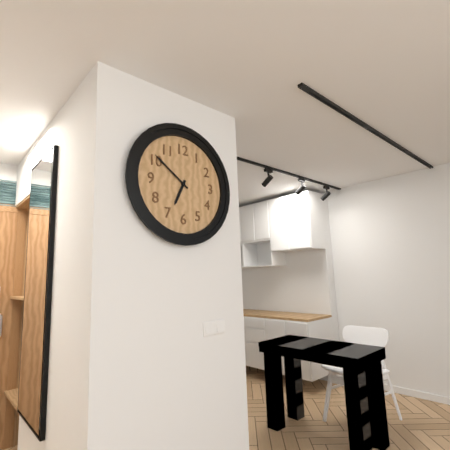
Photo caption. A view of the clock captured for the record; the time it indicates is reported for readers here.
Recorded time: 6:51
